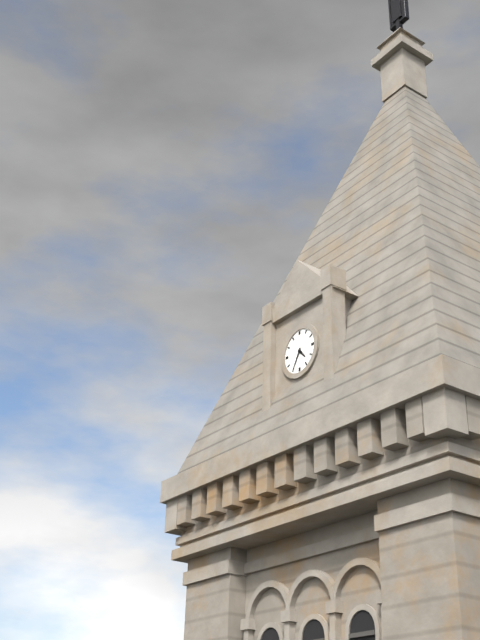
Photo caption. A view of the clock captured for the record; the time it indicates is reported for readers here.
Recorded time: 4:35
